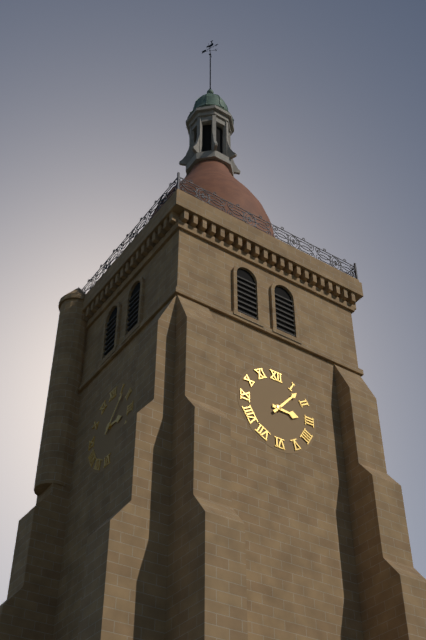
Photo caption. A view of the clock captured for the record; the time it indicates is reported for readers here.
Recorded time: 3:07
